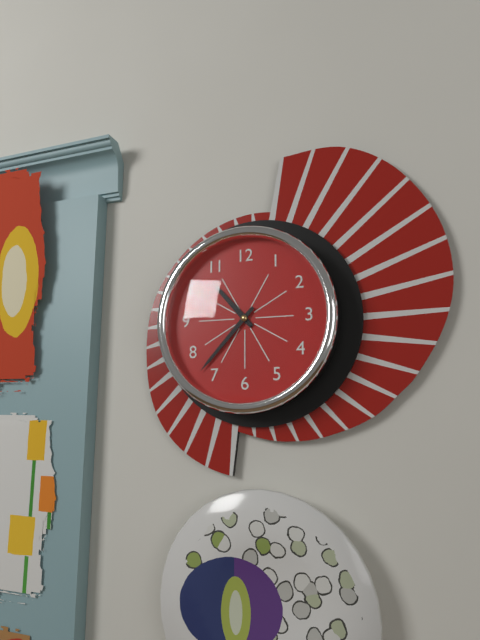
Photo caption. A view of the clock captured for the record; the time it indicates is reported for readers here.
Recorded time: 10:37
